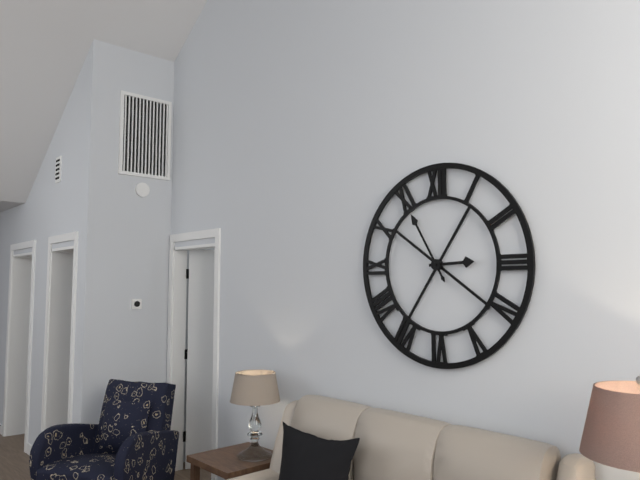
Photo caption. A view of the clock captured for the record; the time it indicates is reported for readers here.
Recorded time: 2:55
